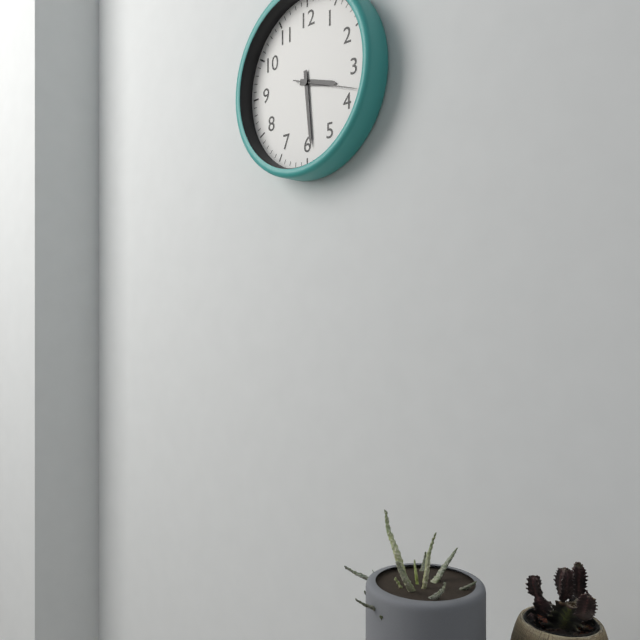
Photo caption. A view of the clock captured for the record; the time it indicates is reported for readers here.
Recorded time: 3:29:18
